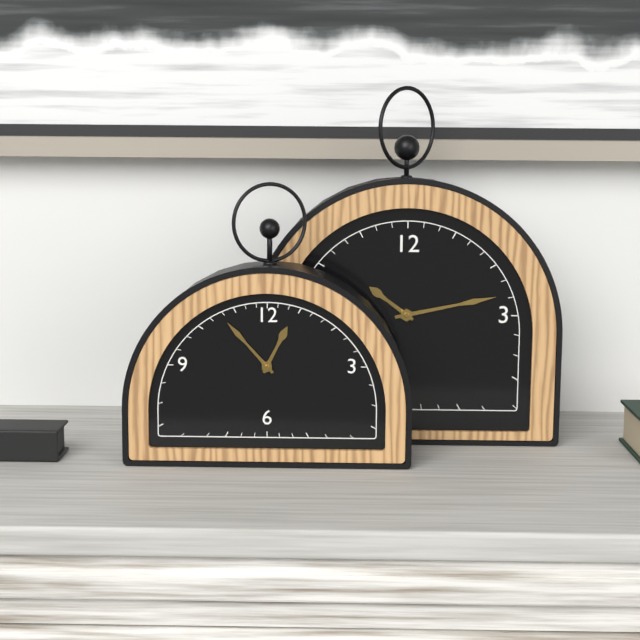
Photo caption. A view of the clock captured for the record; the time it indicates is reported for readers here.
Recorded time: 12:53
